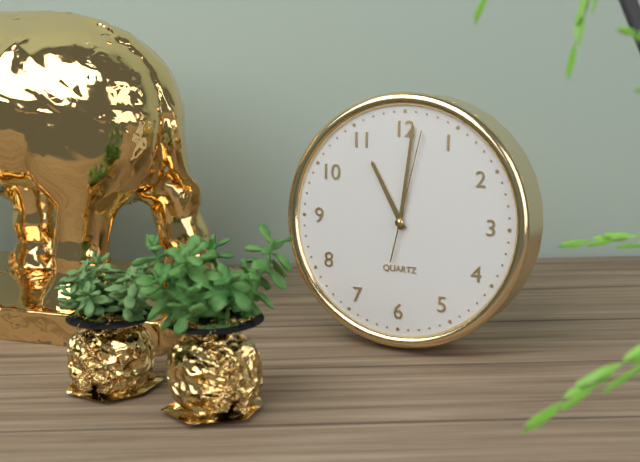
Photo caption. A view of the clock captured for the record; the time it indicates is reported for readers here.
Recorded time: 11:01:02
